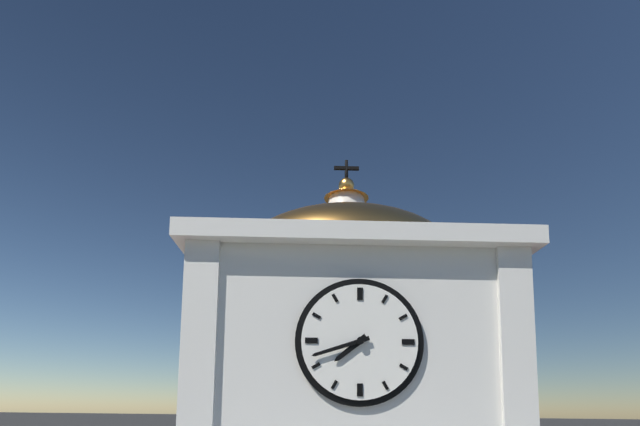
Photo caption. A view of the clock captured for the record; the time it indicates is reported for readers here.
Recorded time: 7:42
